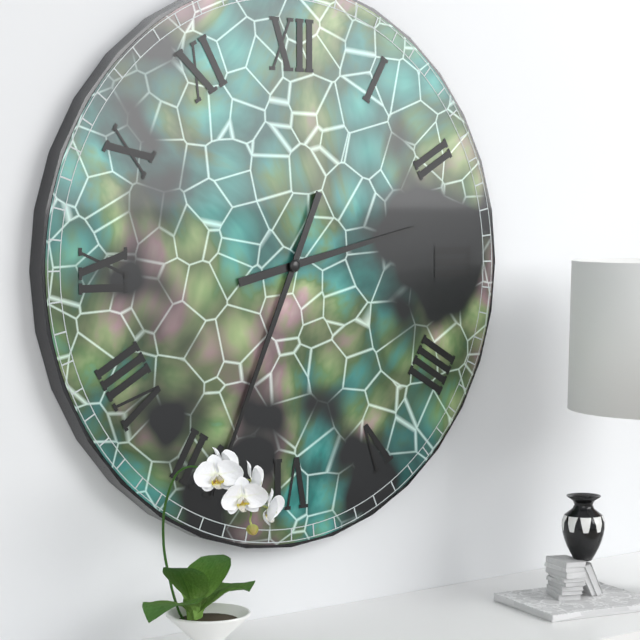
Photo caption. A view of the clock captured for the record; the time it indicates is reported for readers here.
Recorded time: 2:34
